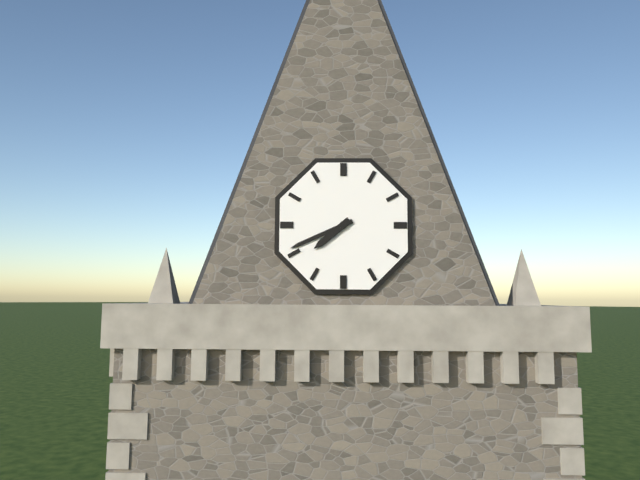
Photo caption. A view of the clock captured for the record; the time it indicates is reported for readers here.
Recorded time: 7:41
